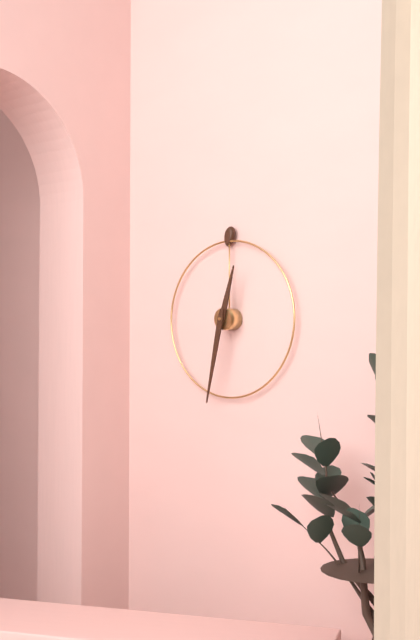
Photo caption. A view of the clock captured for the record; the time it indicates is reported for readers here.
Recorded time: 12:32
